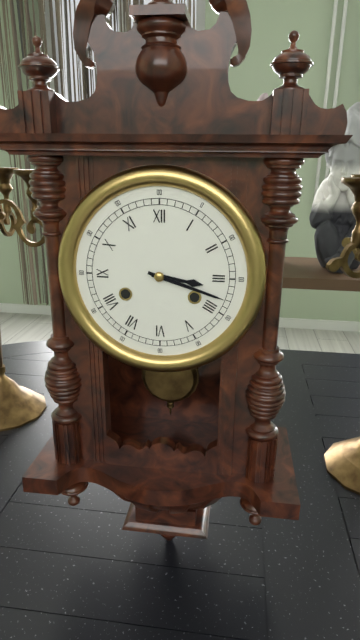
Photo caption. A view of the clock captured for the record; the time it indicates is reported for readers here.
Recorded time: 3:18
